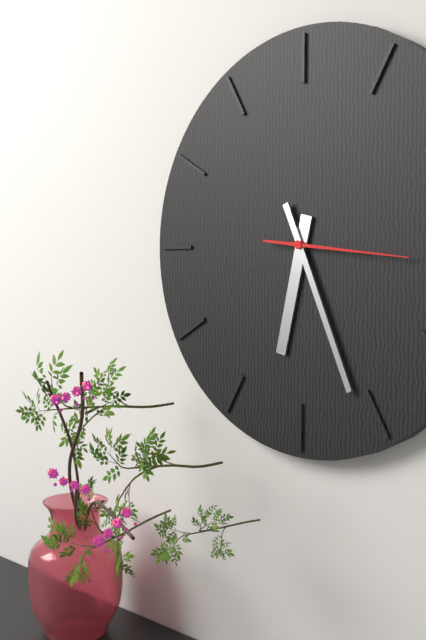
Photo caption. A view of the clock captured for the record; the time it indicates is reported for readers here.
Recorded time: 6:26:16
